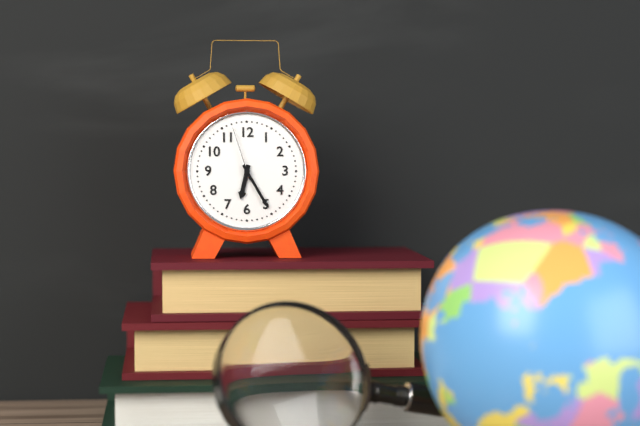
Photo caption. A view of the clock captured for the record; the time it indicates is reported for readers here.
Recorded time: 6:25:57
